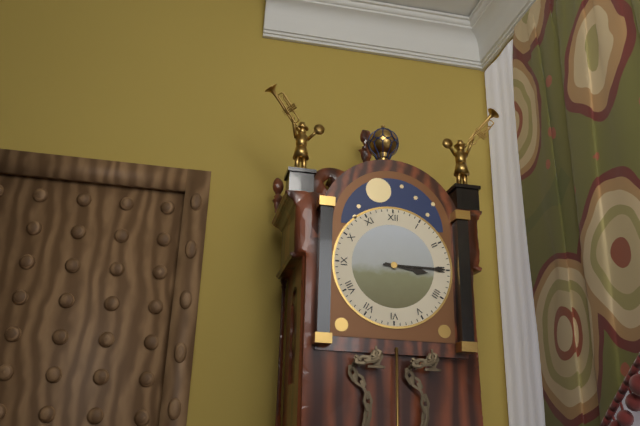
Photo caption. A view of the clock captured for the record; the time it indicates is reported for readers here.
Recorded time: 3:15
